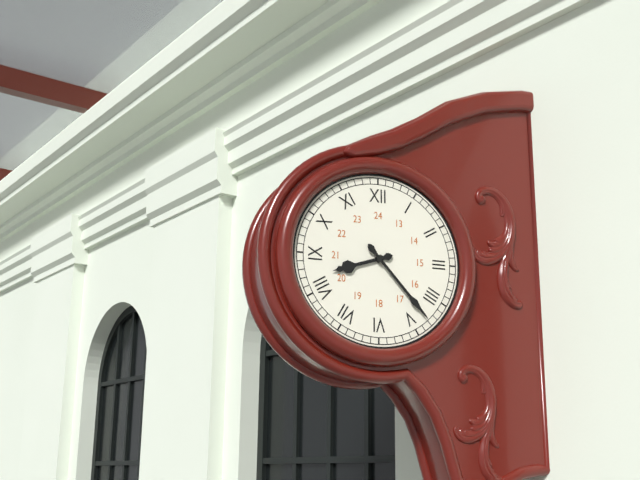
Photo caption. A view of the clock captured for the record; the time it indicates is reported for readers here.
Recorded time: 8:23
